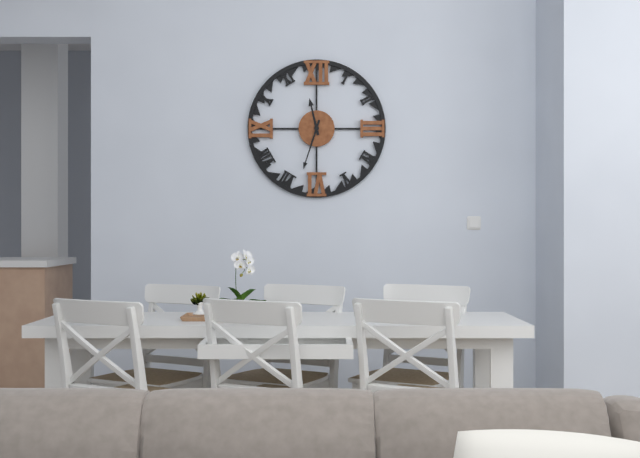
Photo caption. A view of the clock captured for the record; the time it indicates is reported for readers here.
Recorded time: 11:33
